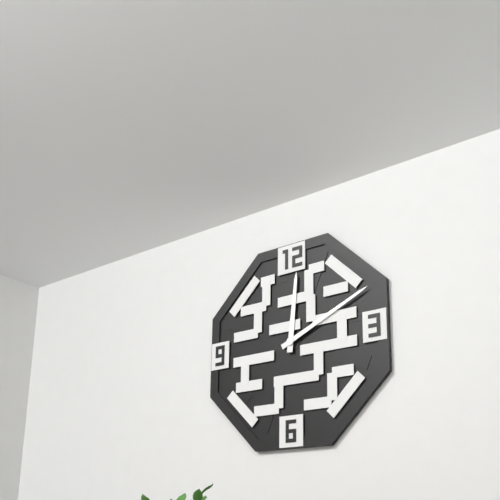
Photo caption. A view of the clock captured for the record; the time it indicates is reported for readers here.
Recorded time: 12:11
